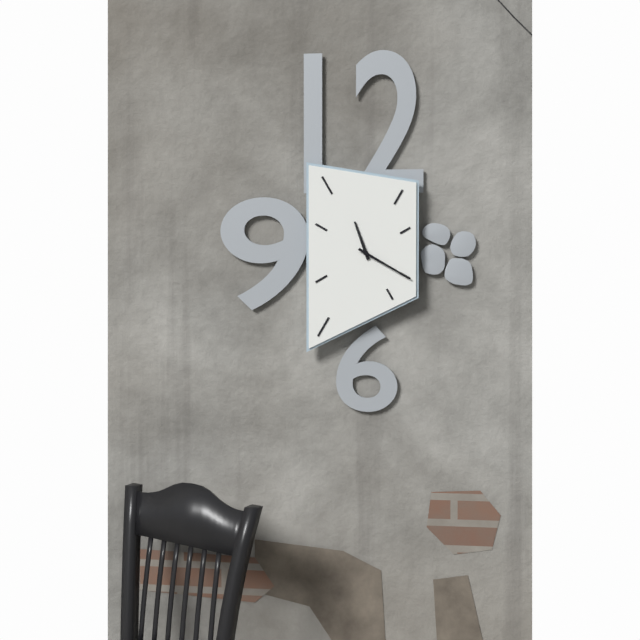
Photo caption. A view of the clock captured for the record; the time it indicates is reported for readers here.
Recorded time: 11:20
